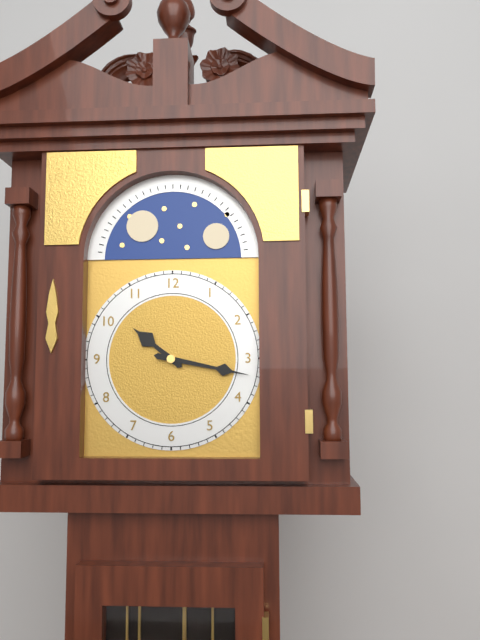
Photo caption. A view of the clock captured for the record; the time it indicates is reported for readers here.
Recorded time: 10:17
